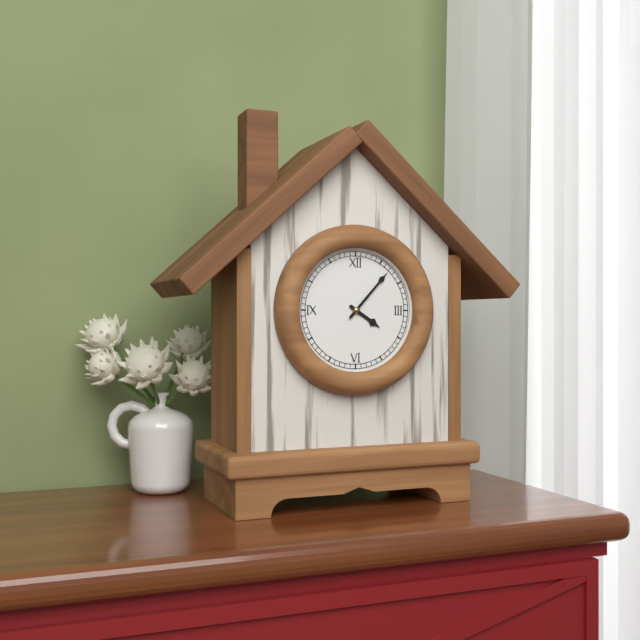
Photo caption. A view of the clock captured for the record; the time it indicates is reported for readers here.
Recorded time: 4:07
